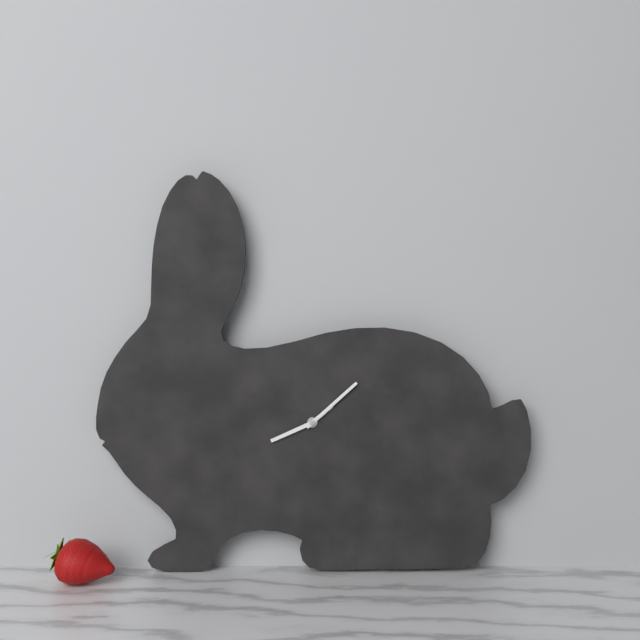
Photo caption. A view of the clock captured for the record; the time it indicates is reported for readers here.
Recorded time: 1:41:08
